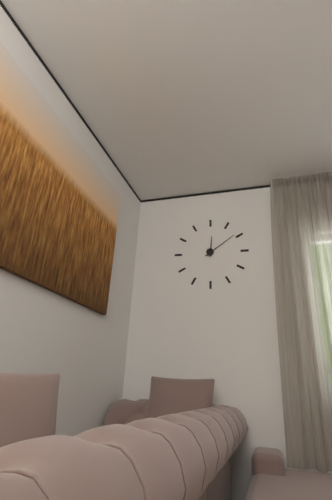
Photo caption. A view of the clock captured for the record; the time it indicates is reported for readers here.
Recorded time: 12:09
